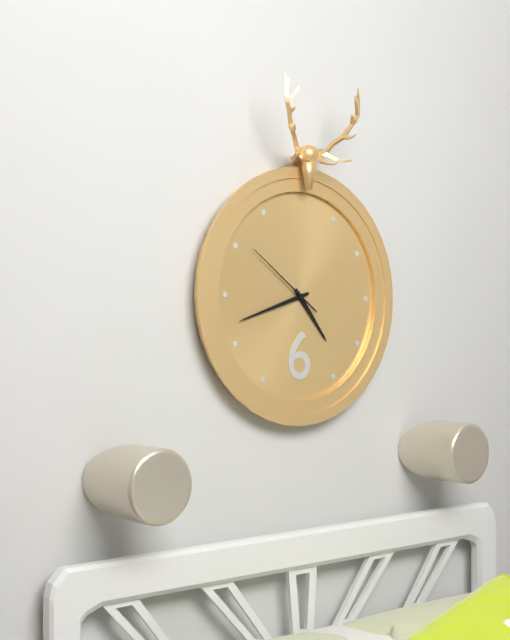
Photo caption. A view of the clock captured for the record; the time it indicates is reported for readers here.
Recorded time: 4:42:51
